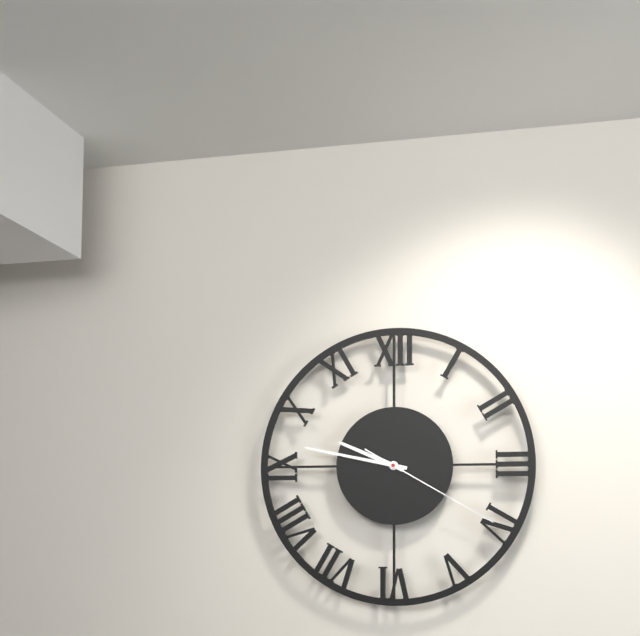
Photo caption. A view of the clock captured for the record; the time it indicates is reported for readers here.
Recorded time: 9:47:20
